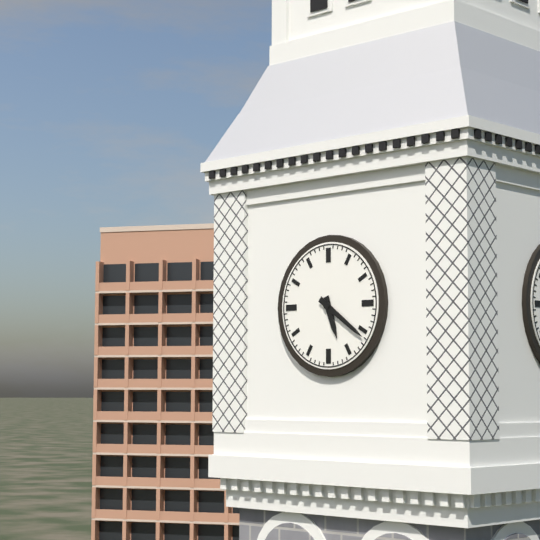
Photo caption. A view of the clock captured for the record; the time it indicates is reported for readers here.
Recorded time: 5:21
